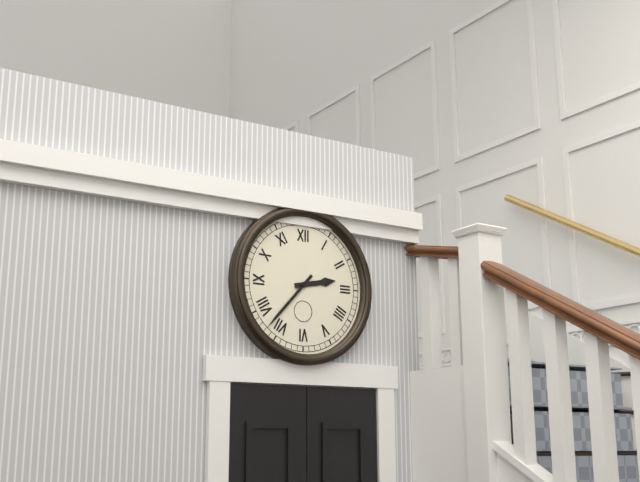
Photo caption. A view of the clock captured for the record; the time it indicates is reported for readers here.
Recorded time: 2:37
